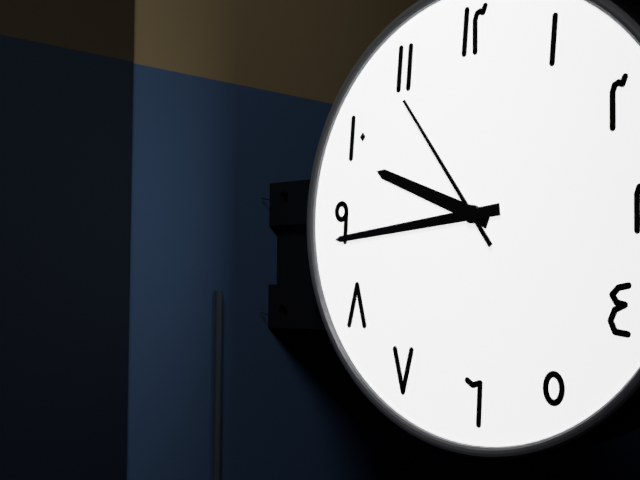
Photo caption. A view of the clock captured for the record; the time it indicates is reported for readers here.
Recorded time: 9:44:54
